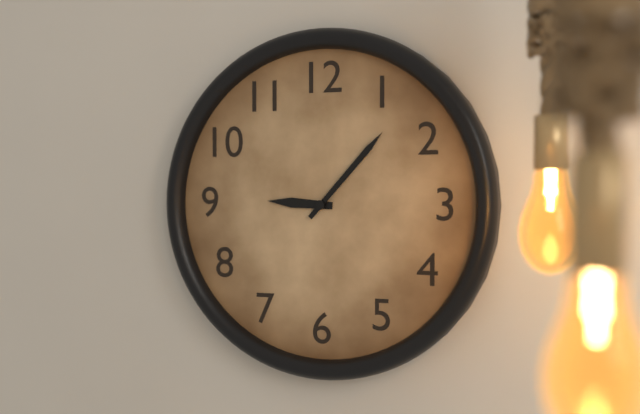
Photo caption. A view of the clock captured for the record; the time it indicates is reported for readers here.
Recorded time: 9:07
